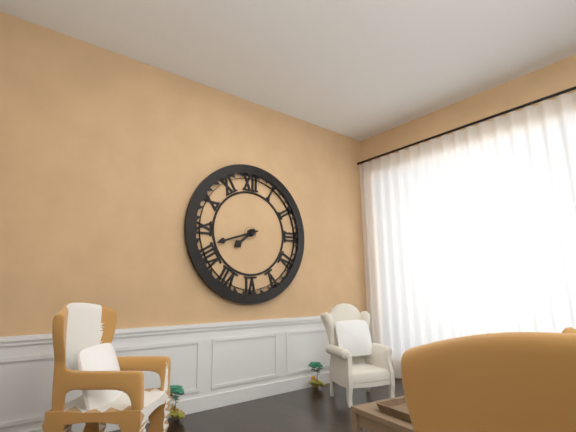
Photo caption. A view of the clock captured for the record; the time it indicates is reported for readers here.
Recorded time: 7:42
